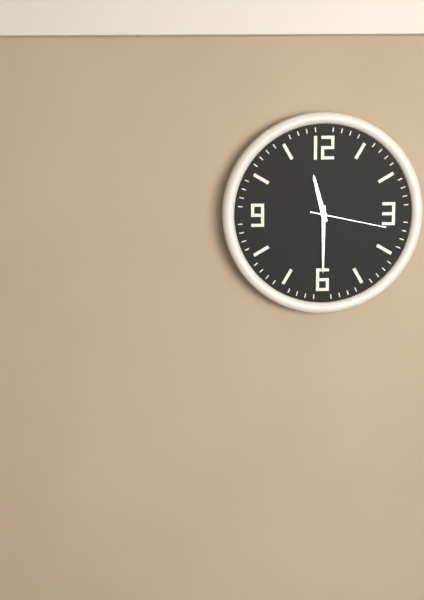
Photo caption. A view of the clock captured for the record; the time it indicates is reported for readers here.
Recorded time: 11:30:17
